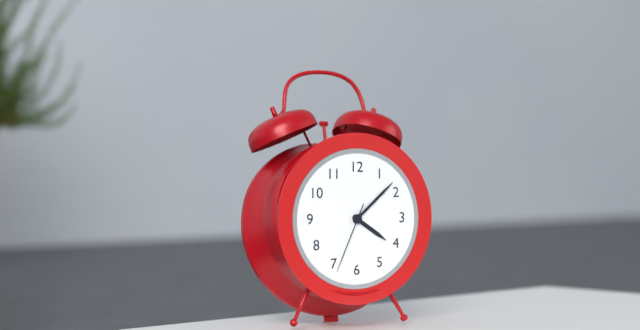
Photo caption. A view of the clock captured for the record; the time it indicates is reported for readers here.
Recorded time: 4:08:34
